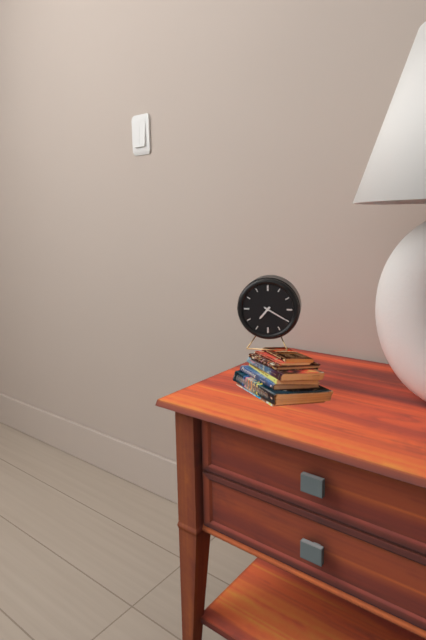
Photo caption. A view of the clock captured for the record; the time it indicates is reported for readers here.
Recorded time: 7:20
